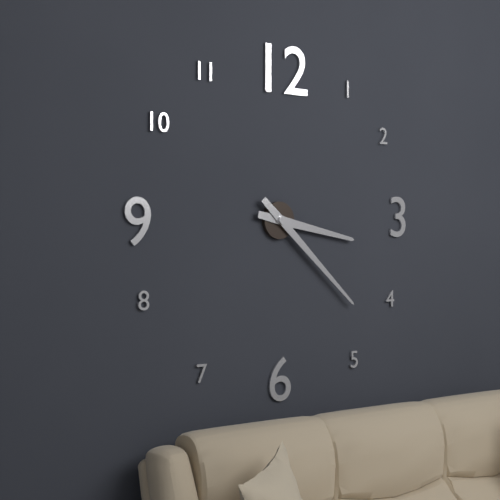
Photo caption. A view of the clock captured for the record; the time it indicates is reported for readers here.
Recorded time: 3:22
